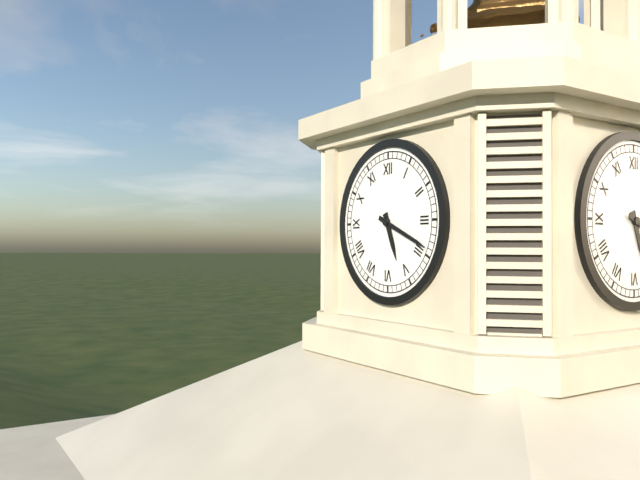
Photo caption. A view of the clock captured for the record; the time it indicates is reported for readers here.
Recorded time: 5:19
